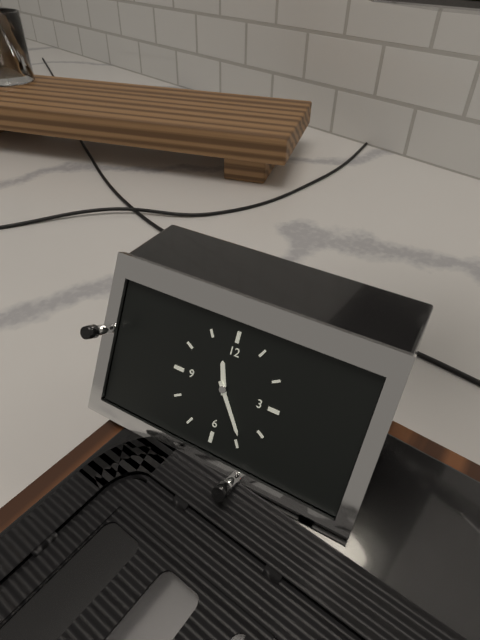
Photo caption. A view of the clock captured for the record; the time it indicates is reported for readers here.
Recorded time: 11:24
